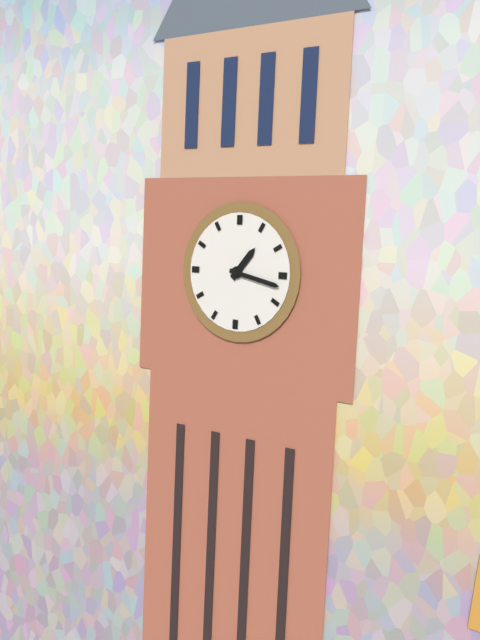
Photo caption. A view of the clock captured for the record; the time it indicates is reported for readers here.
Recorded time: 1:17
